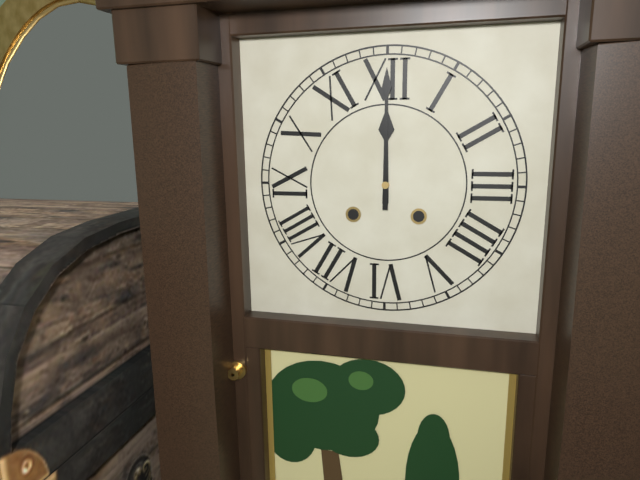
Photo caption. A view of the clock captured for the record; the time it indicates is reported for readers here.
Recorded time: 12:00
